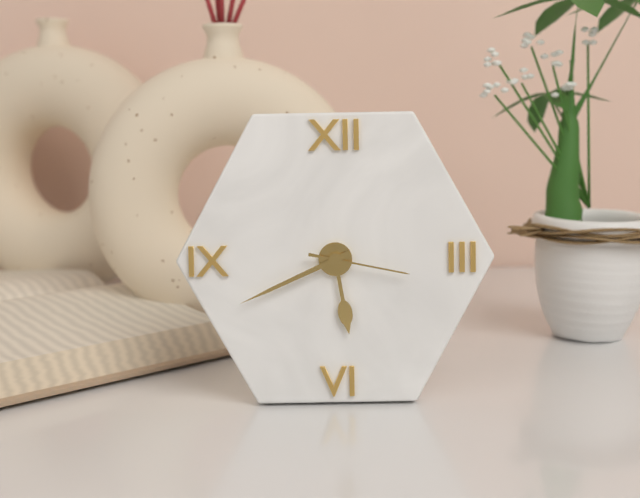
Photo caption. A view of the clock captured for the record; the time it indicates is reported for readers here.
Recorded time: 5:41:17
